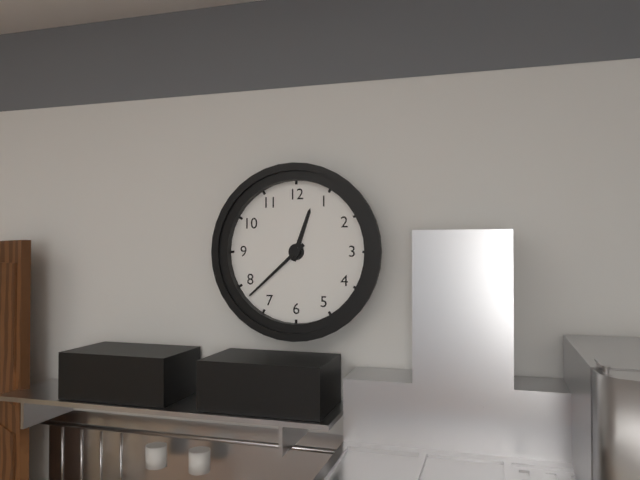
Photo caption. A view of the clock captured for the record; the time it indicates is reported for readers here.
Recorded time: 12:38
